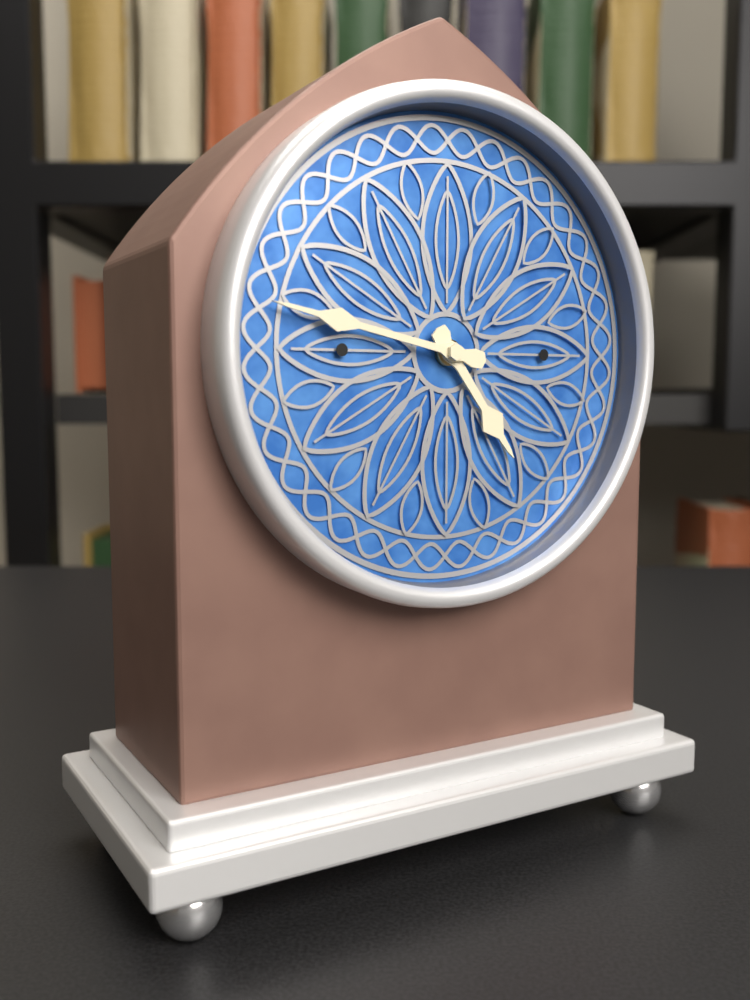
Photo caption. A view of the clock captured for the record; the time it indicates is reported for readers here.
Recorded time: 4:47
